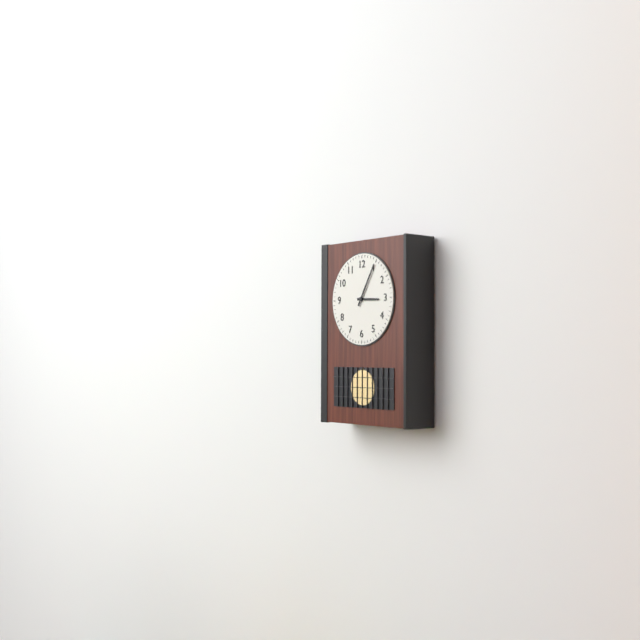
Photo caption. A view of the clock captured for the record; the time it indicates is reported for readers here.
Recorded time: 3:05
